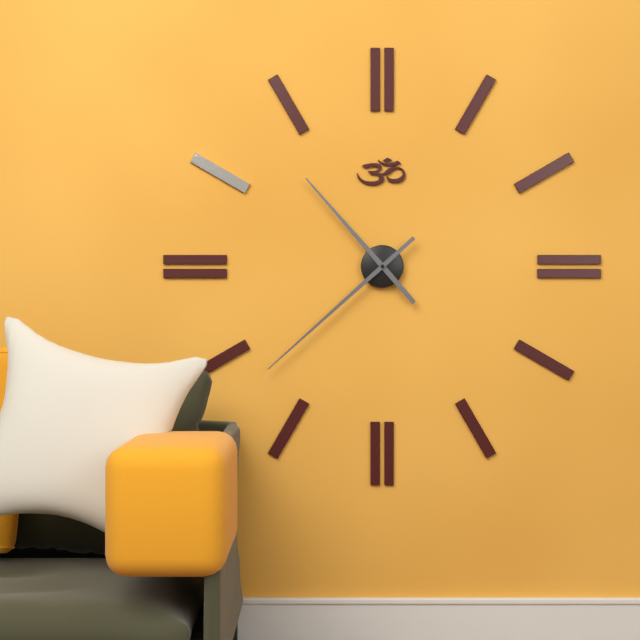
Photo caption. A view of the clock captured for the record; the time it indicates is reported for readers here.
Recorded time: 10:38
